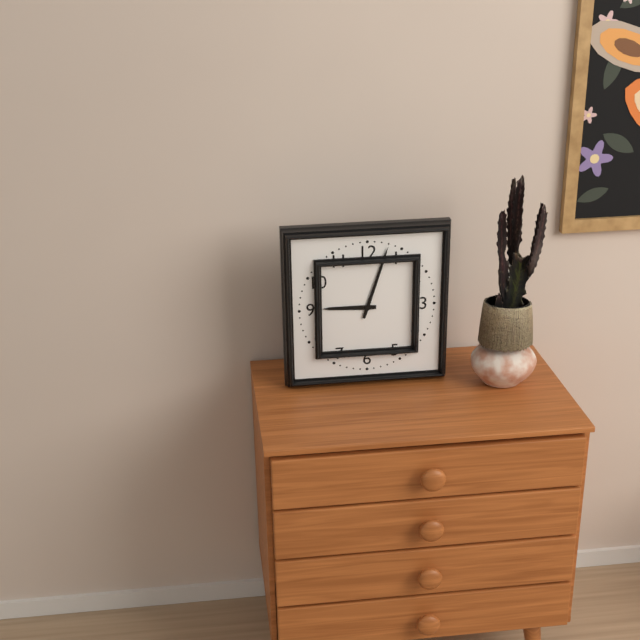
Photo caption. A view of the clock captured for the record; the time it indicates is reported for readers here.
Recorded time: 9:03
